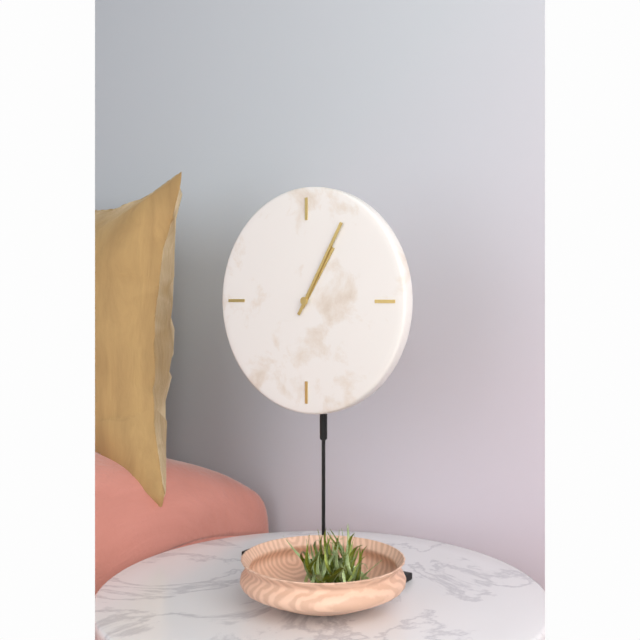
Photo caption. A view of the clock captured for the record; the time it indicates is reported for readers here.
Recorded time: 1:05
